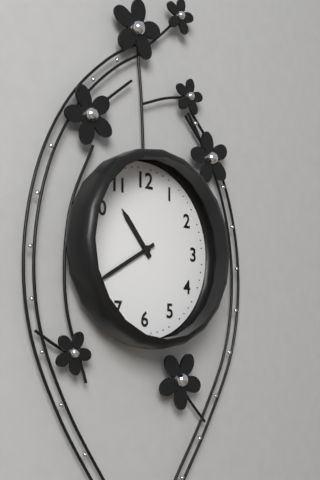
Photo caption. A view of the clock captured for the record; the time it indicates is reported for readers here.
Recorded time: 10:40
